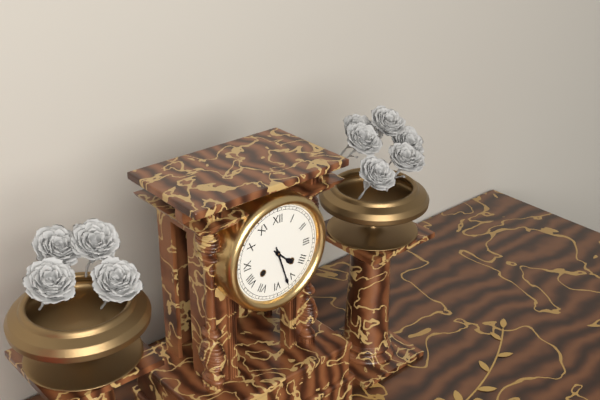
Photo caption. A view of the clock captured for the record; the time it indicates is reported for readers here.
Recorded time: 4:27
